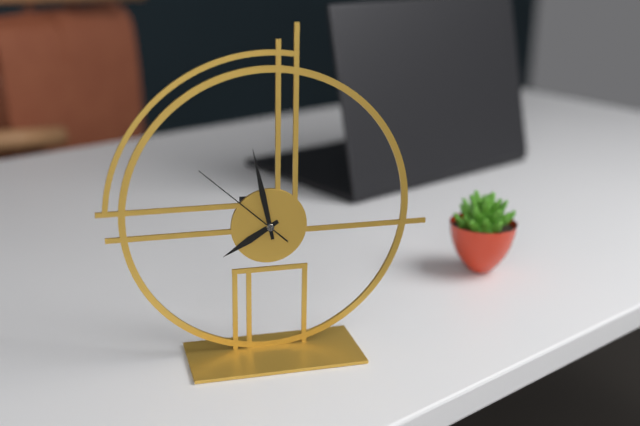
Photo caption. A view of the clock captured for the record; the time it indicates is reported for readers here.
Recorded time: 7:58:52
